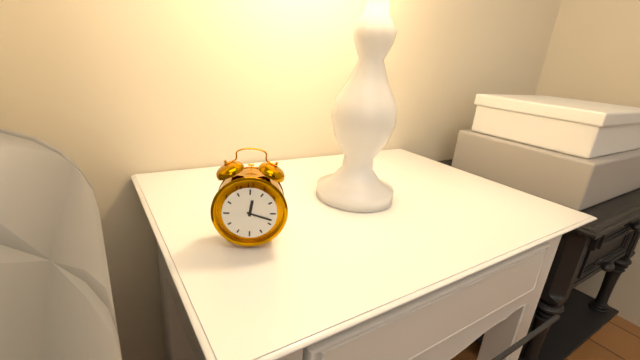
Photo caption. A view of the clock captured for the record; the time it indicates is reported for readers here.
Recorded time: 12:18
